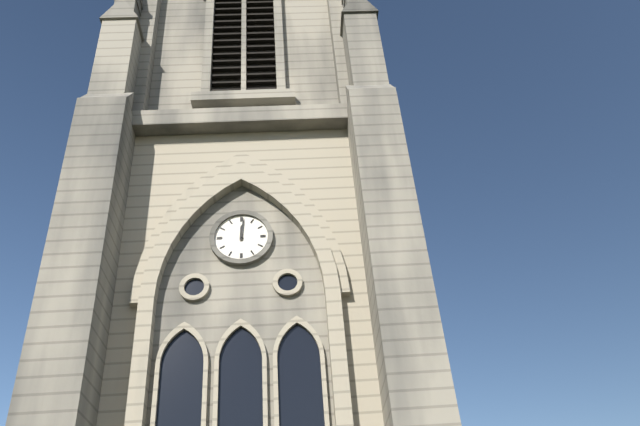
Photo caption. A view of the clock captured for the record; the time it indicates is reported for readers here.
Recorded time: 12:01
